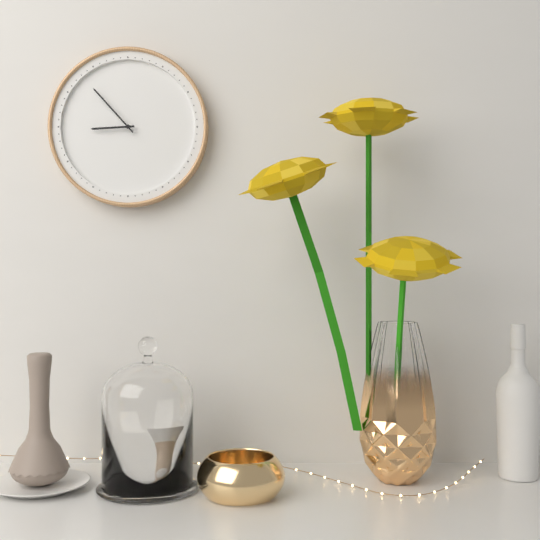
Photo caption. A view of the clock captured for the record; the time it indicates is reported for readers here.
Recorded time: 8:53
